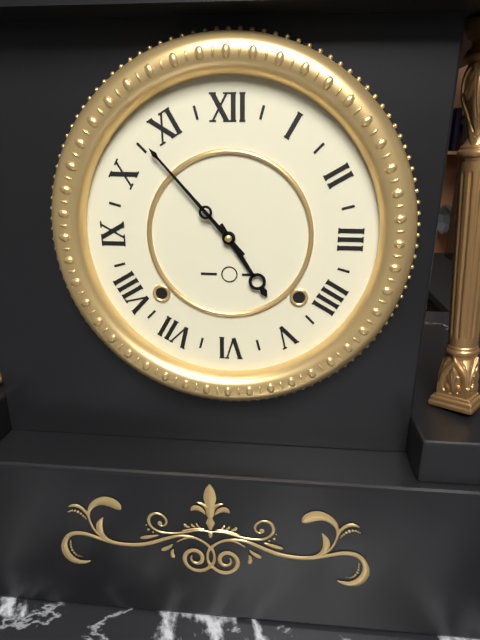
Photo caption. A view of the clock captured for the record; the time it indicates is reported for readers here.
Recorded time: 4:53
